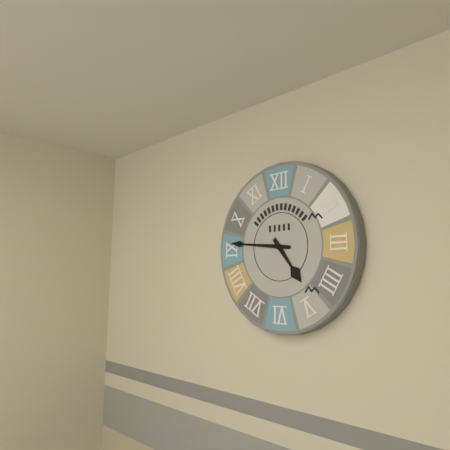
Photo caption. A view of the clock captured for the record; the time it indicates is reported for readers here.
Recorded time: 4:46
